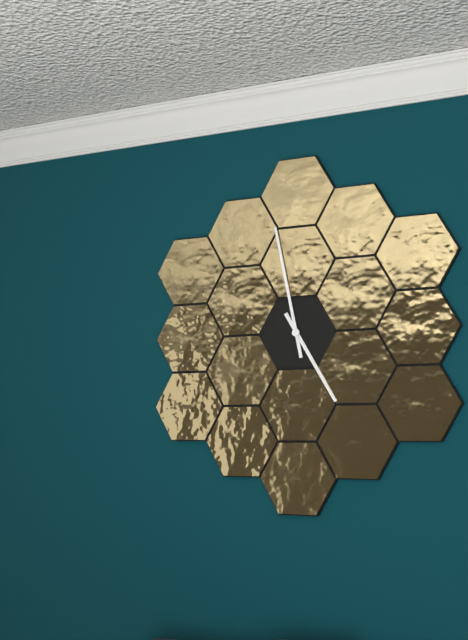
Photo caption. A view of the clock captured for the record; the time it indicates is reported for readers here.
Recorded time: 4:58
